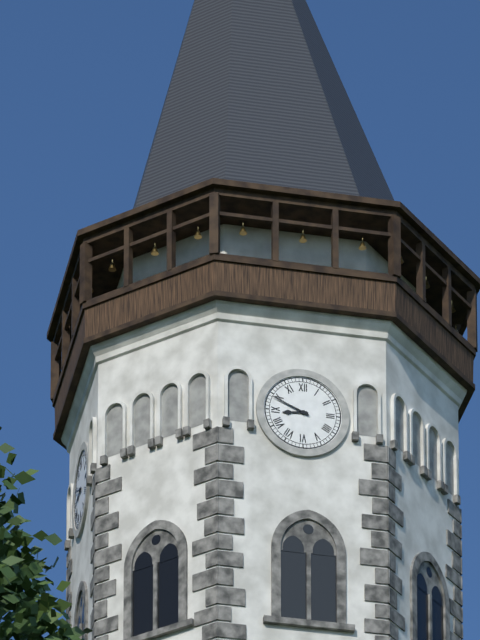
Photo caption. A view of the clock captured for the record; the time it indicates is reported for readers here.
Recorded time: 8:49
